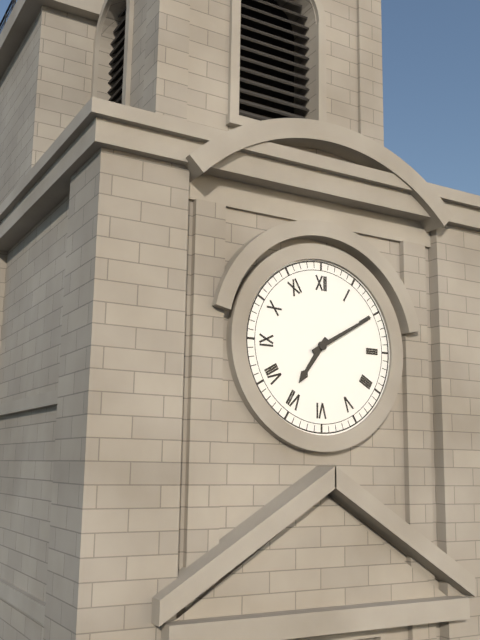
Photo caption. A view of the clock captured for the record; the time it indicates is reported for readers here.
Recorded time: 7:10
